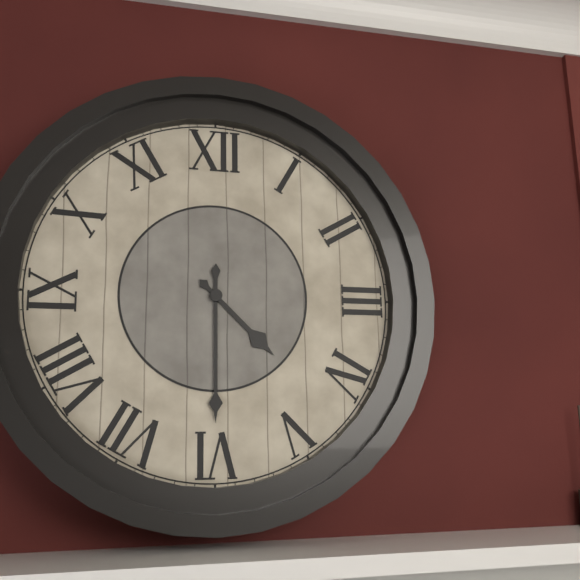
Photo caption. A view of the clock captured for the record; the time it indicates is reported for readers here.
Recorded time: 4:30
